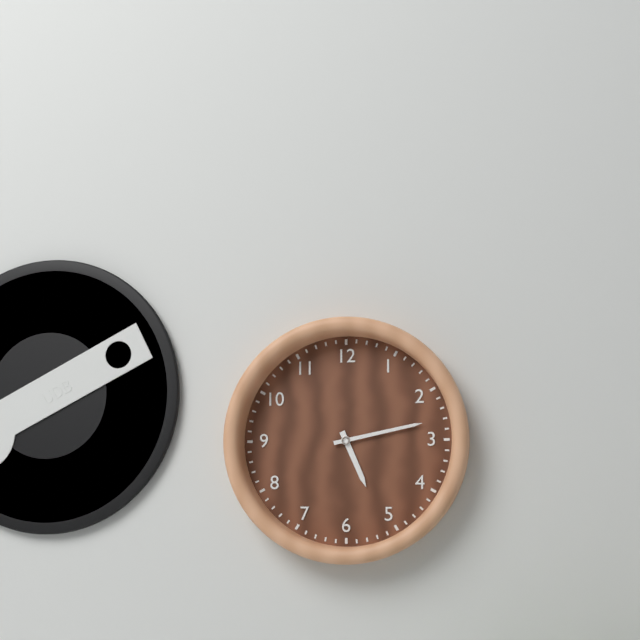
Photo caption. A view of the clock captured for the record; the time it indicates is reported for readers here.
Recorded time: 5:13
